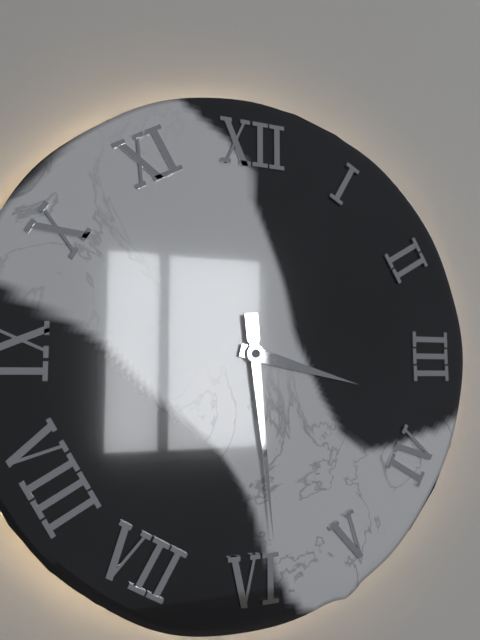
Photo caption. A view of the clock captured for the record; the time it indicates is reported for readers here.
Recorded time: 3:29
